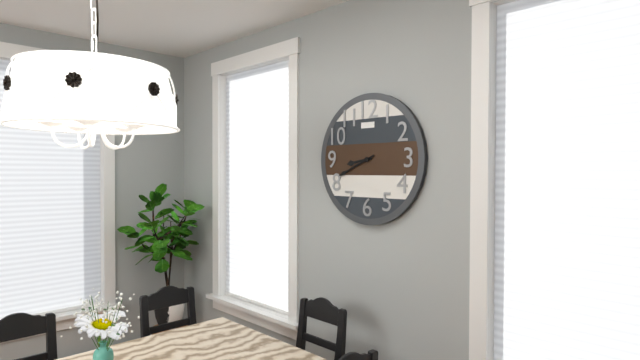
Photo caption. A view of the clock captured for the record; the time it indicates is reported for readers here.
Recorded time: 8:41
